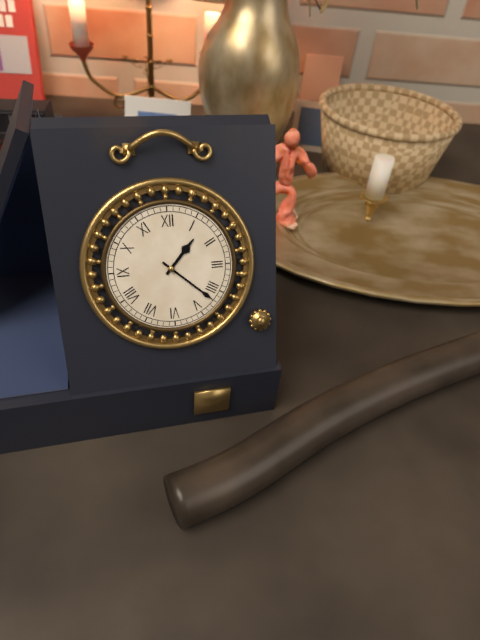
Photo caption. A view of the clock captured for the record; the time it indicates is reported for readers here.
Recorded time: 1:22
